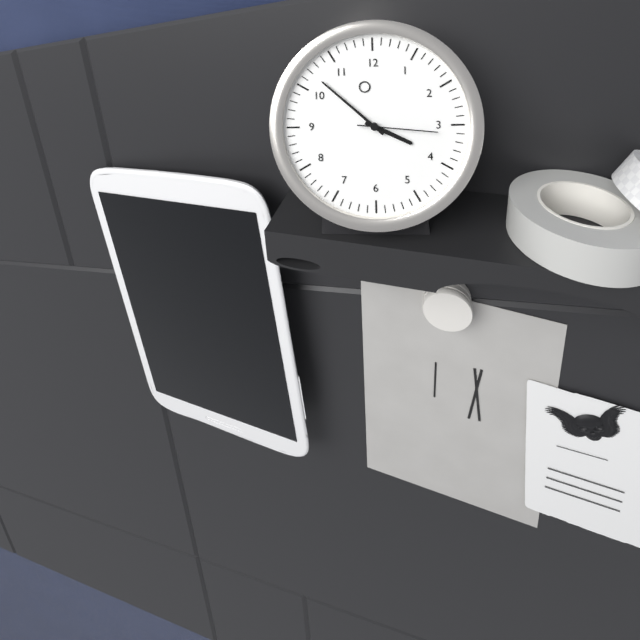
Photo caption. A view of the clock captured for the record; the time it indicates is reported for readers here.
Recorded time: 3:52:16
